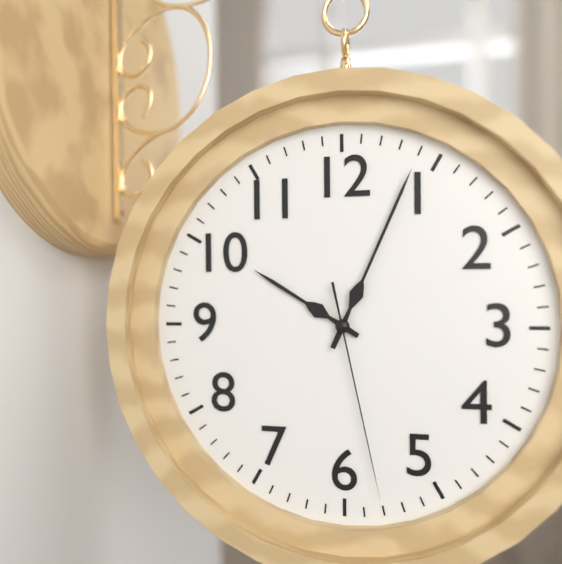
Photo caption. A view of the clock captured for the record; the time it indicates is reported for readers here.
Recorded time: 10:04:28
